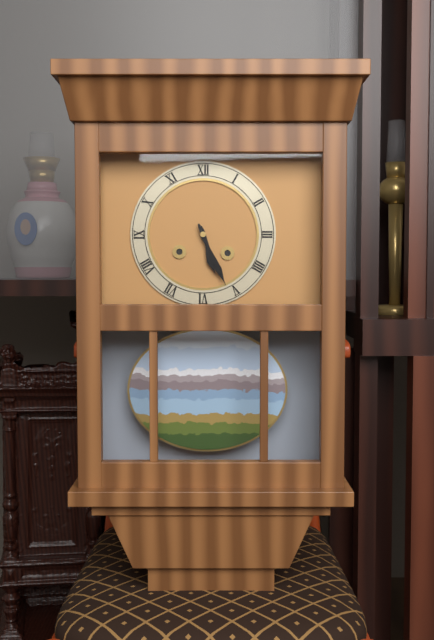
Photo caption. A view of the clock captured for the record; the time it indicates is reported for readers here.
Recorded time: 5:26
